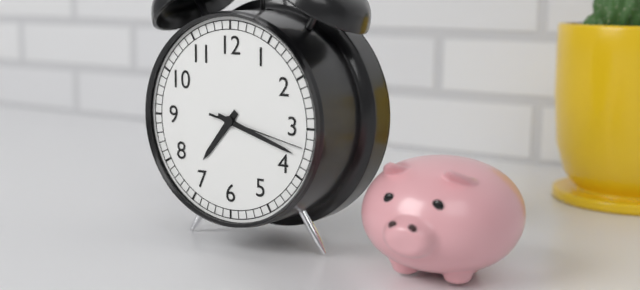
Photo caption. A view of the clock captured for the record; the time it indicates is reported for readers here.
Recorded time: 7:18:17
